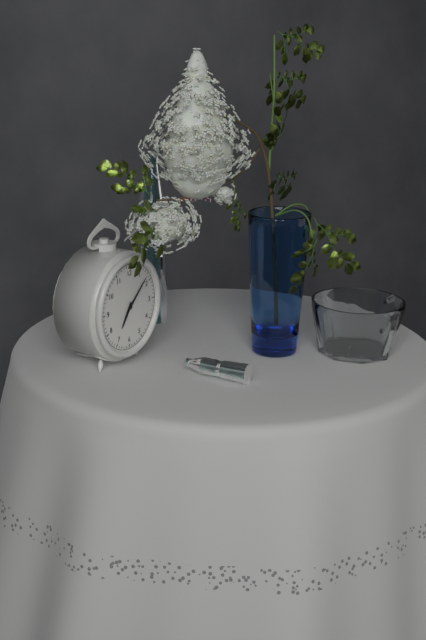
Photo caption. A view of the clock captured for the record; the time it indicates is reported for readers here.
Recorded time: 7:08
